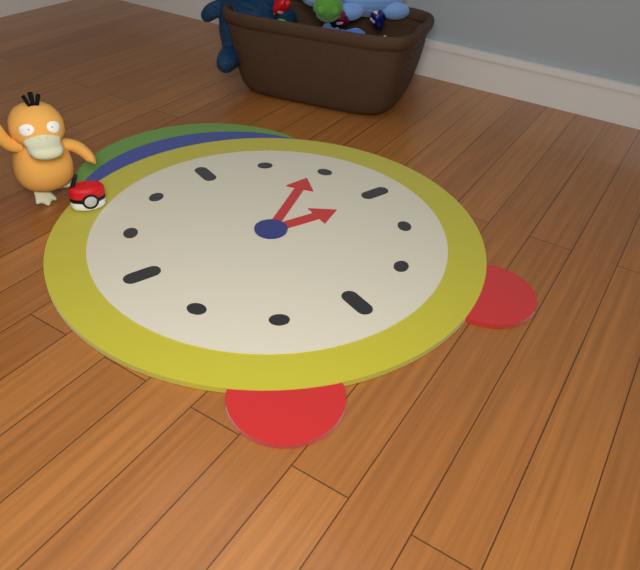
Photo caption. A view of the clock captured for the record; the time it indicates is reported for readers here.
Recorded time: 3:09
